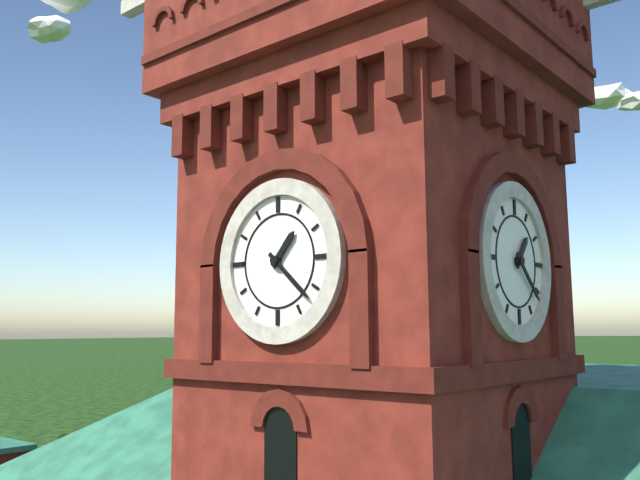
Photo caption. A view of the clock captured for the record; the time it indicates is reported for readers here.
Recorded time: 1:22
